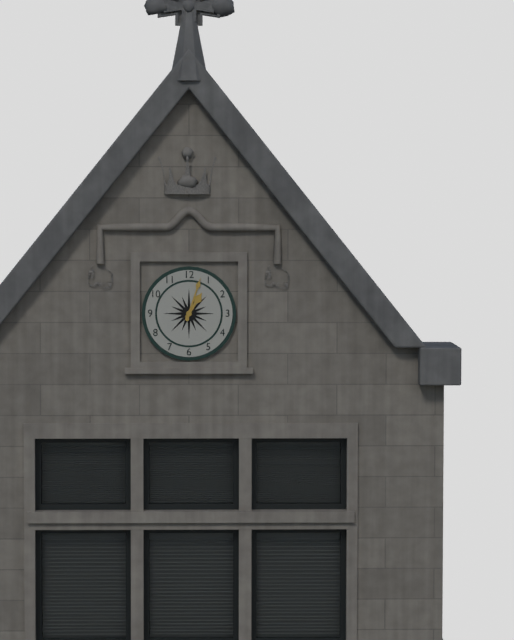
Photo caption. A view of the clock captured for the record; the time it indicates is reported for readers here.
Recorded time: 1:03
